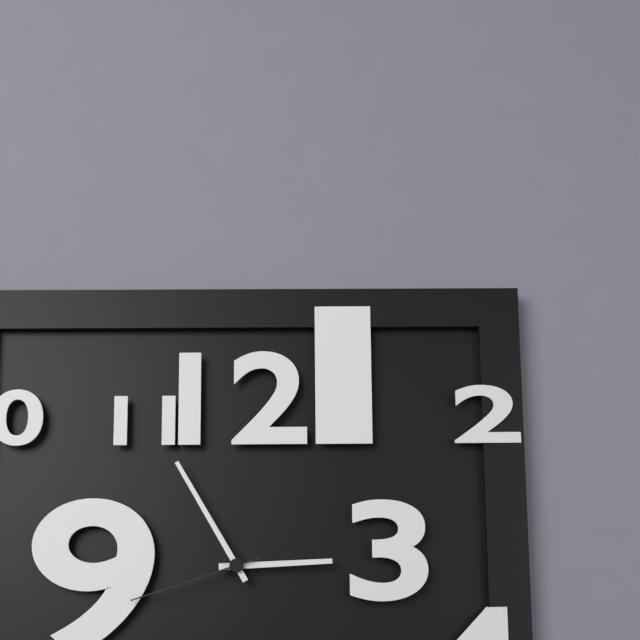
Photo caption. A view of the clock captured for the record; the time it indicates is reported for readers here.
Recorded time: 2:55:42
